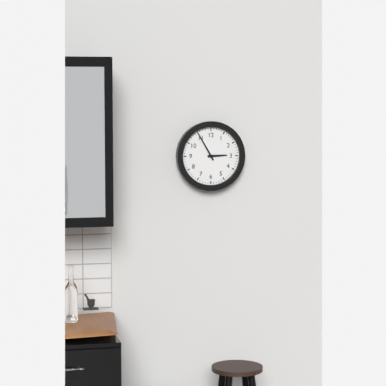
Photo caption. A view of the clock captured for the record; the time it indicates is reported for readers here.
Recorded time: 2:55
